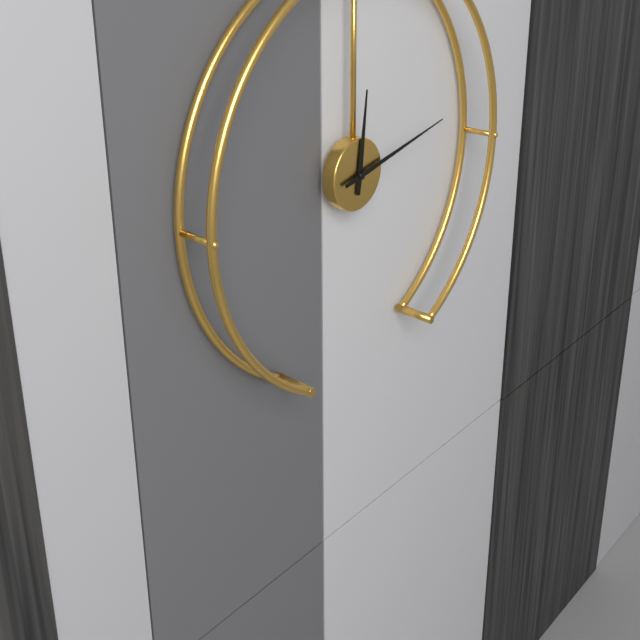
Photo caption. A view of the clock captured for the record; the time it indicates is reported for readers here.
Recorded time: 12:13
